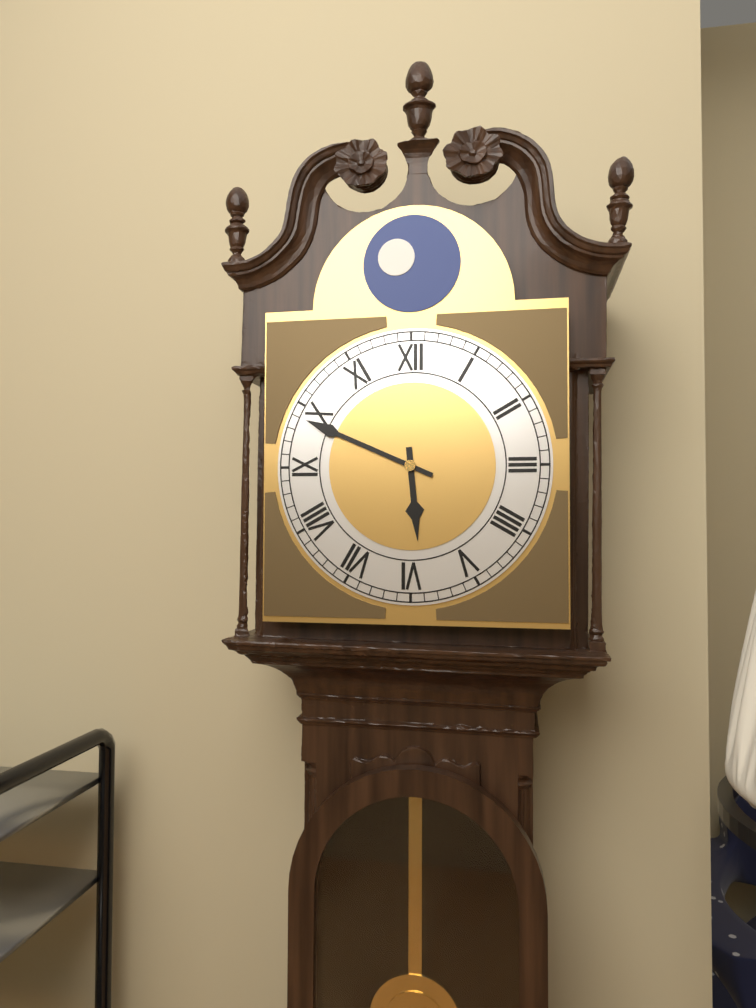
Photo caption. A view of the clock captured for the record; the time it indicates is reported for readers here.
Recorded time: 5:49
